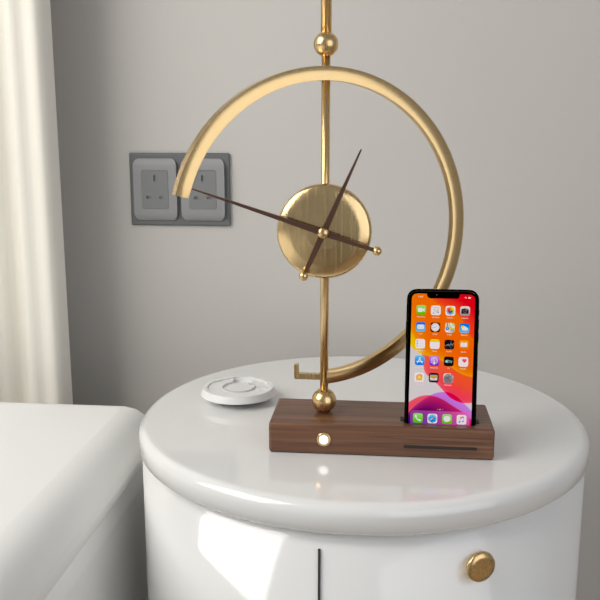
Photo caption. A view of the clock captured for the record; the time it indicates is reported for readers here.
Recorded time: 12:48
